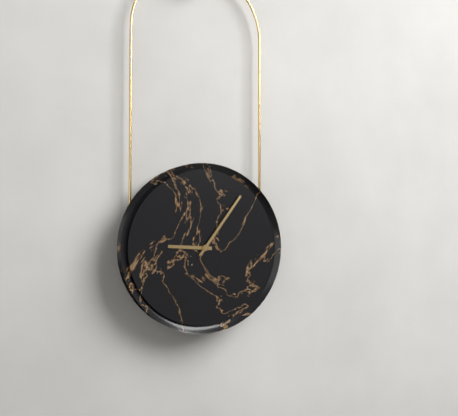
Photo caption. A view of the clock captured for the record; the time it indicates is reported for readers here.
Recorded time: 9:06
